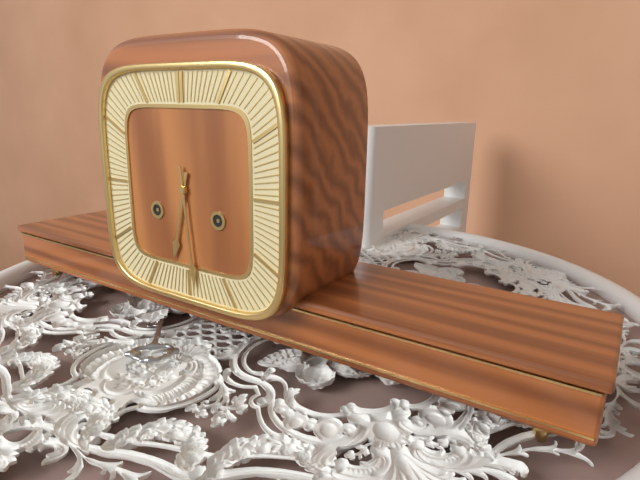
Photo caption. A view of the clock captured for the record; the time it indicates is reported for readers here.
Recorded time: 6:29
